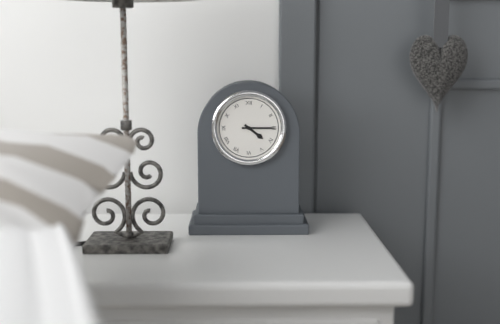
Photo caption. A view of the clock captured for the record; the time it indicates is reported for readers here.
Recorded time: 4:15
